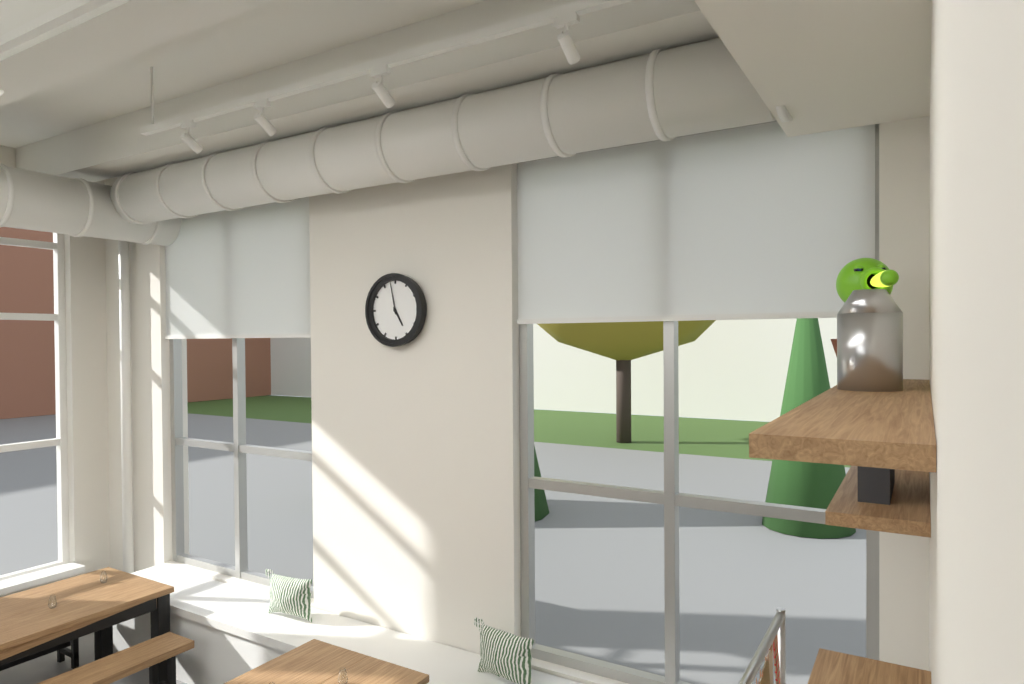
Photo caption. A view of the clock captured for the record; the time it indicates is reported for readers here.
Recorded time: 4:58
